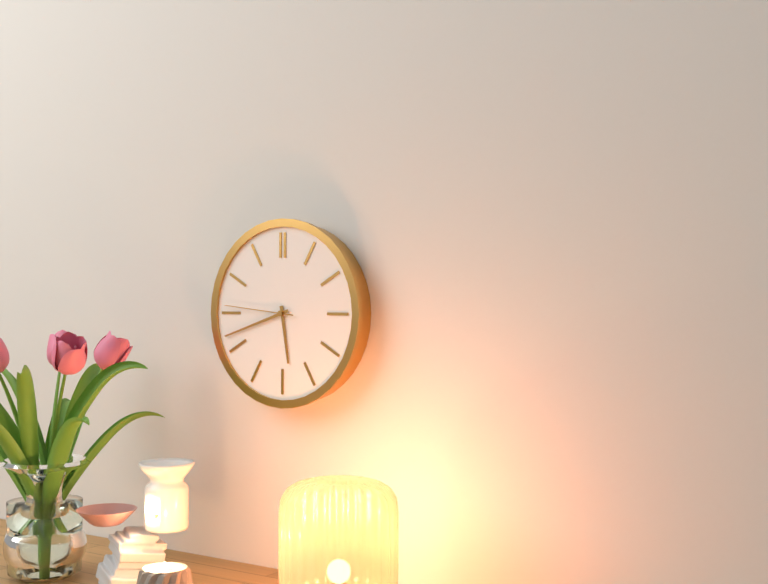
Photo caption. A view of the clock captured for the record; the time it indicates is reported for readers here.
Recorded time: 5:42:46
